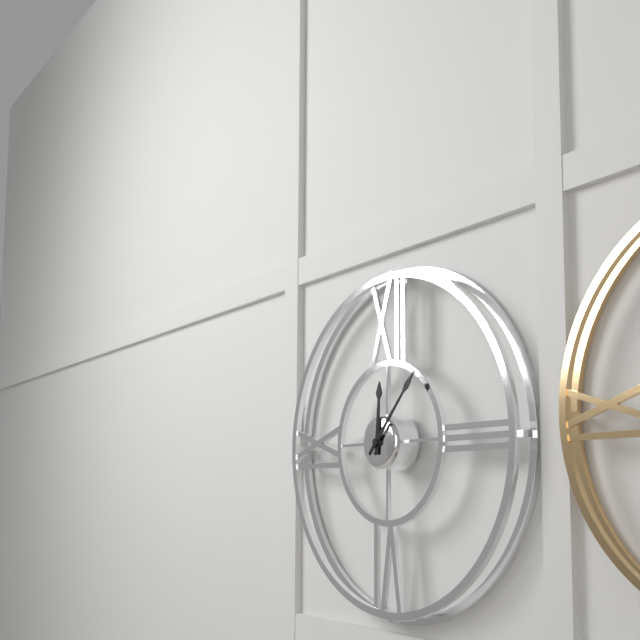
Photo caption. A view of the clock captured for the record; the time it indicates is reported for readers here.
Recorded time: 12:07
